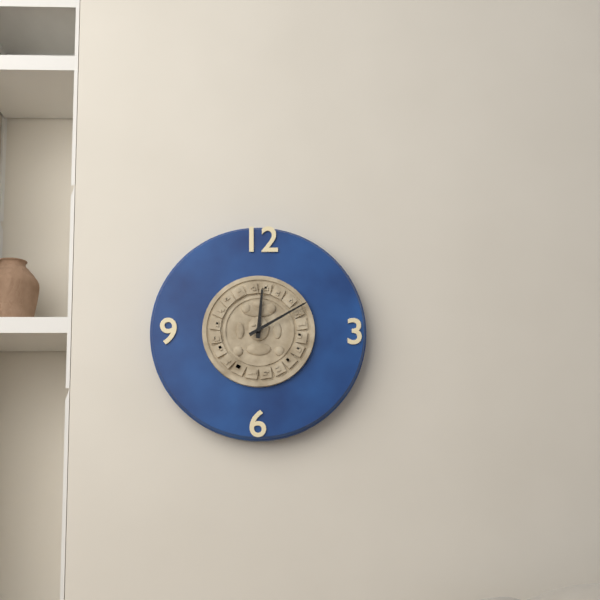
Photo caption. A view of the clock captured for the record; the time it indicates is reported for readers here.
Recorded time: 12:10
